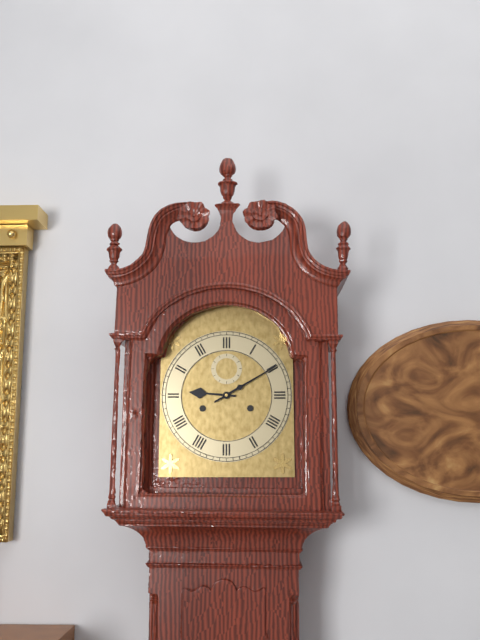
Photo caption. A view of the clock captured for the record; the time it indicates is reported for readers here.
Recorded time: 9:10
